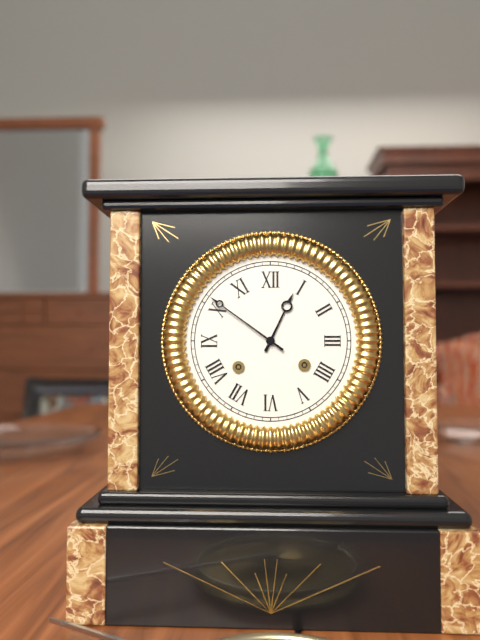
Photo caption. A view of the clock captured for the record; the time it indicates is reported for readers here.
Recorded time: 12:51
